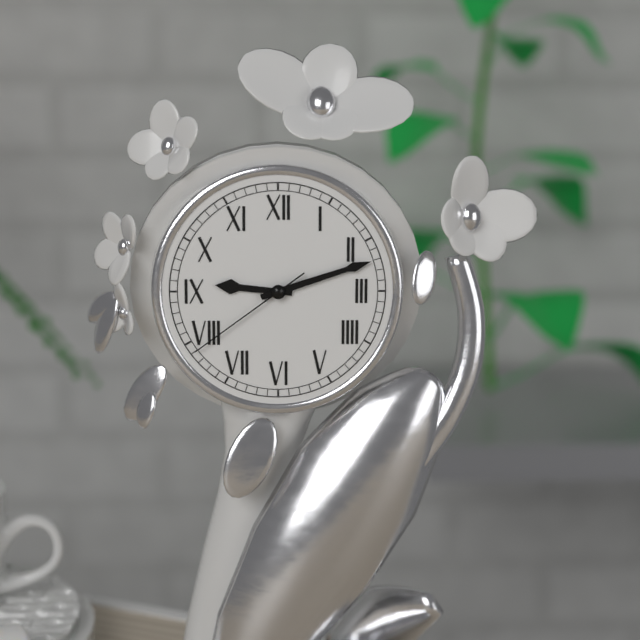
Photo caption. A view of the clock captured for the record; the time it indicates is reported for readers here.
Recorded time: 9:12:39
